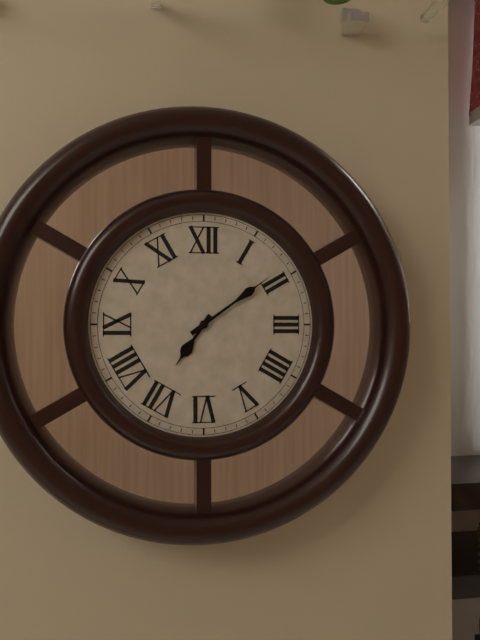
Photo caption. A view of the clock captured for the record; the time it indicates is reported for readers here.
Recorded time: 7:09
